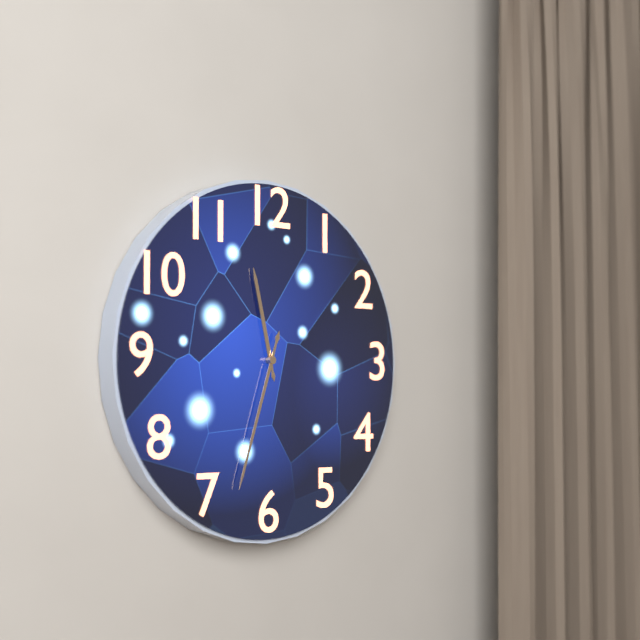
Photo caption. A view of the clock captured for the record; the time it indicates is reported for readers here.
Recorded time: 11:33
